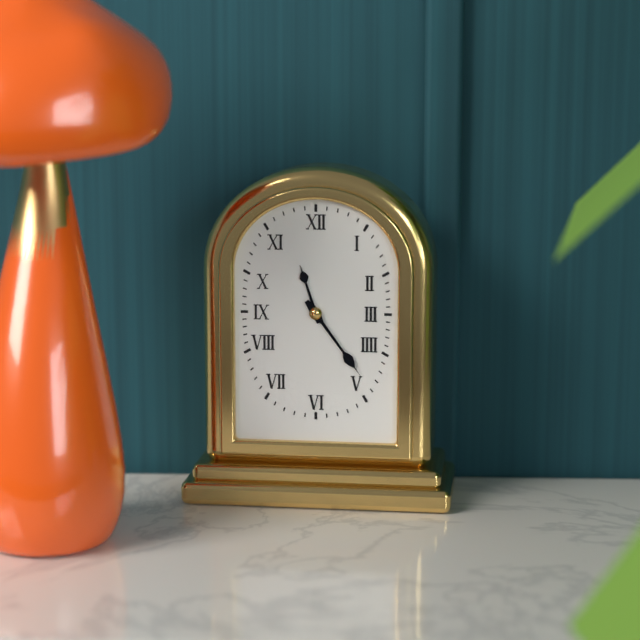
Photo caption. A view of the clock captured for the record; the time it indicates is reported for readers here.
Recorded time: 11:24
